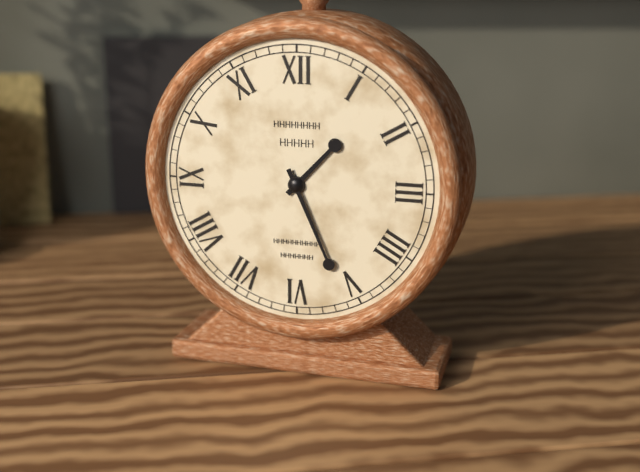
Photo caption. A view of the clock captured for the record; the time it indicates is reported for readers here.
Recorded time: 1:26
